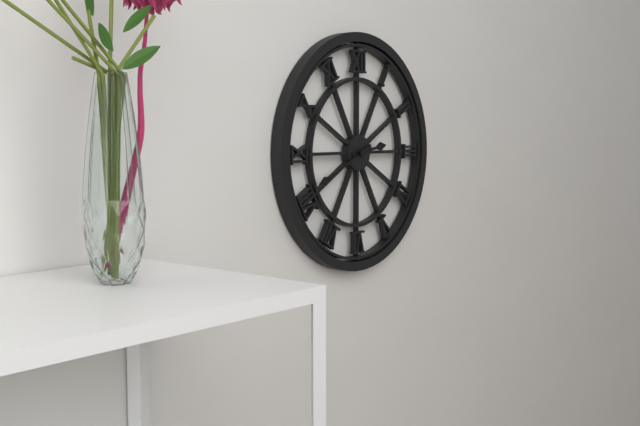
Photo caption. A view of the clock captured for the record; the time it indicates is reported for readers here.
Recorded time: 2:41
